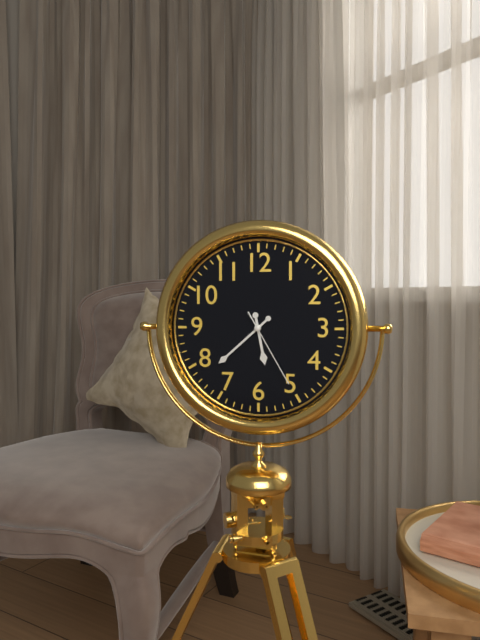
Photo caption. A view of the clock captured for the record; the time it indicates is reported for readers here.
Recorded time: 5:38:25
